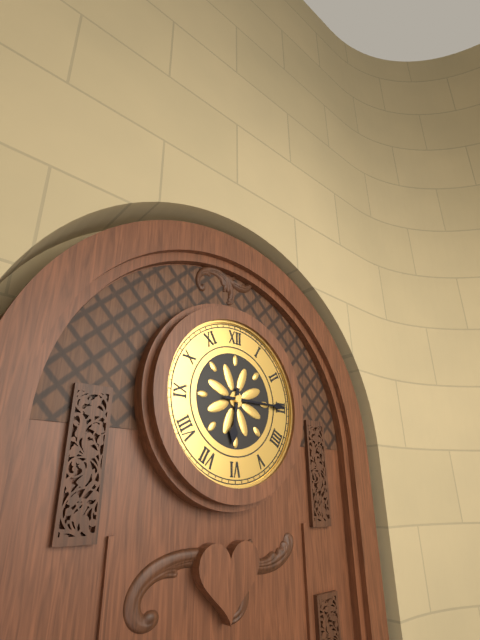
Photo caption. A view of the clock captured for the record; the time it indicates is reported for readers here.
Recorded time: 6:15
